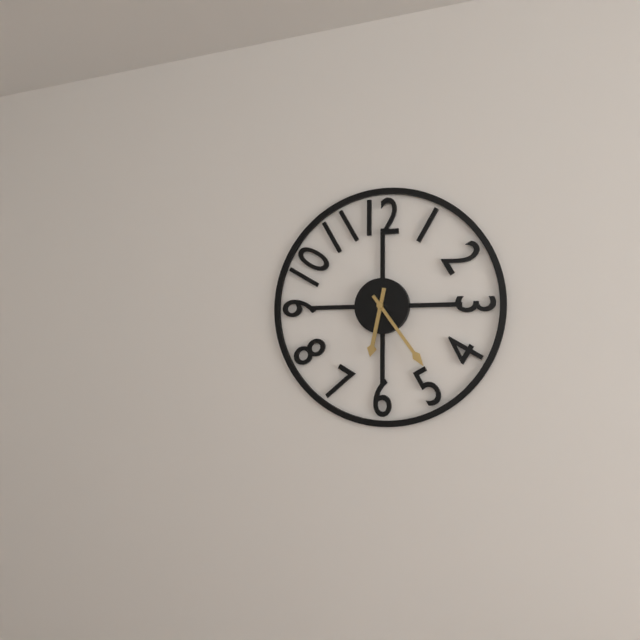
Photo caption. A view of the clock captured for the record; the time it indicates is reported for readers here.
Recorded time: 6:24
